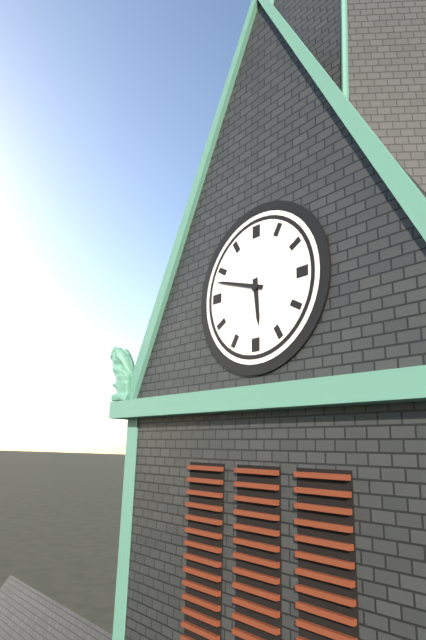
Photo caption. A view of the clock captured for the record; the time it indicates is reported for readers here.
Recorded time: 5:48
